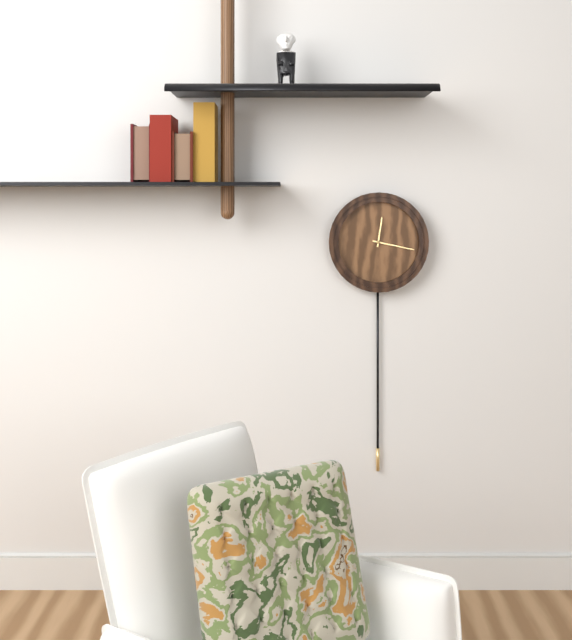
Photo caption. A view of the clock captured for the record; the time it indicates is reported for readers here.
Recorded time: 12:17
